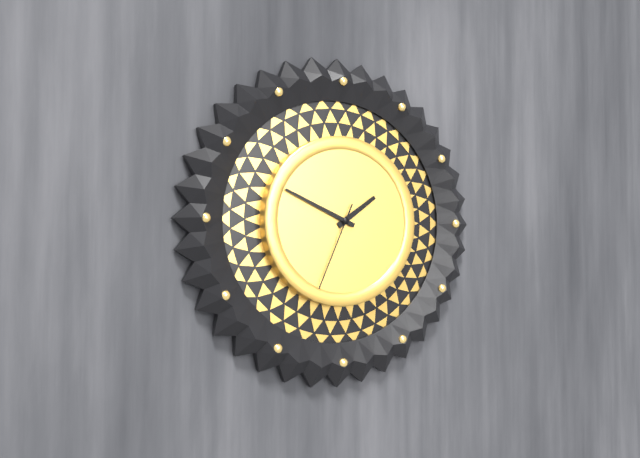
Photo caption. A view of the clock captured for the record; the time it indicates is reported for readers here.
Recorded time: 1:49:34
